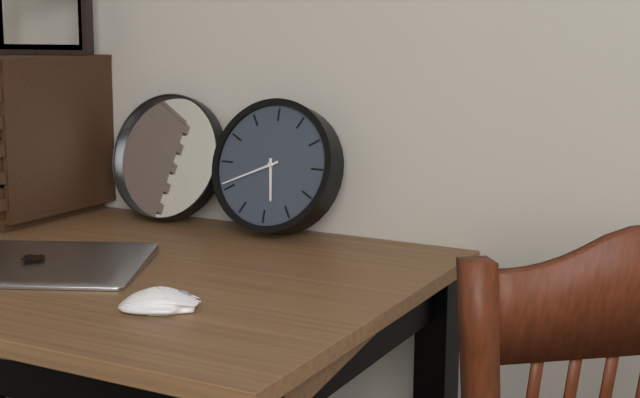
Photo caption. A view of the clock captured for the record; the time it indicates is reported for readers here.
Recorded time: 5:41
